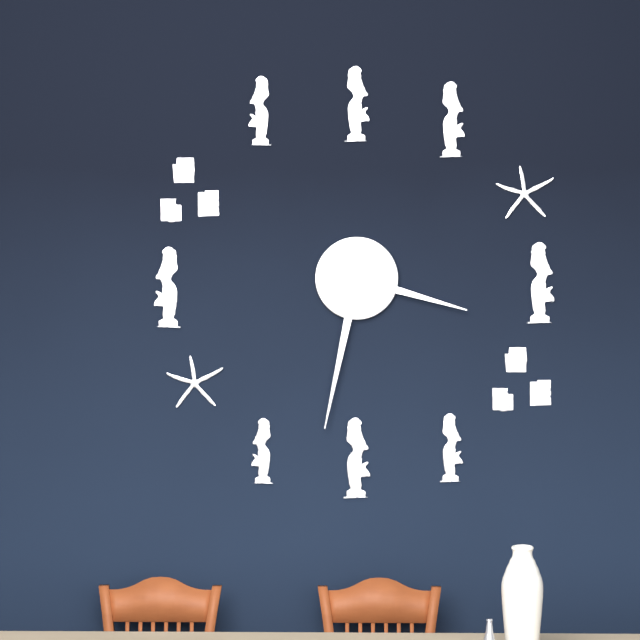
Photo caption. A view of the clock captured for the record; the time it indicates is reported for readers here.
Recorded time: 3:32
